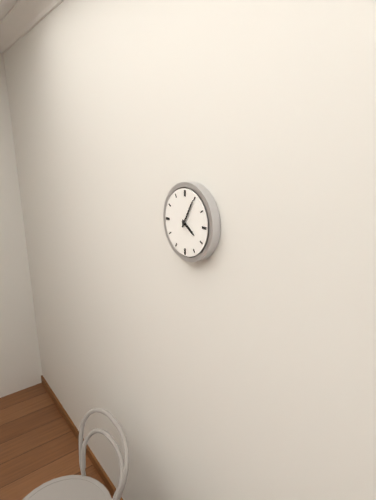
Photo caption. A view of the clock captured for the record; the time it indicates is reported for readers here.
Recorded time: 4:05
